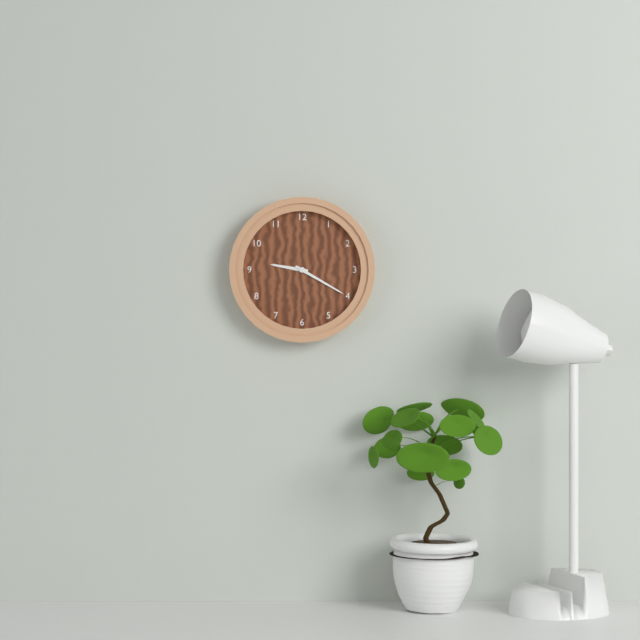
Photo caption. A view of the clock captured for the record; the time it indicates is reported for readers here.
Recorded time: 9:20
